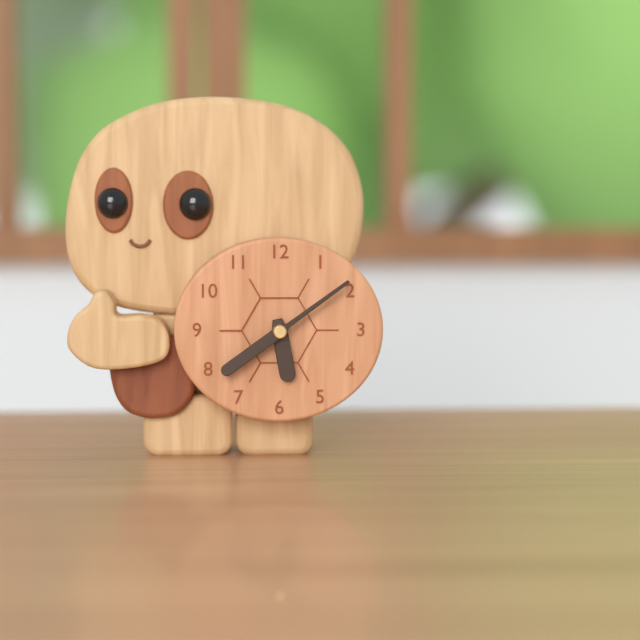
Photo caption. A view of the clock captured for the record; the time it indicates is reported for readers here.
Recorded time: 5:39
